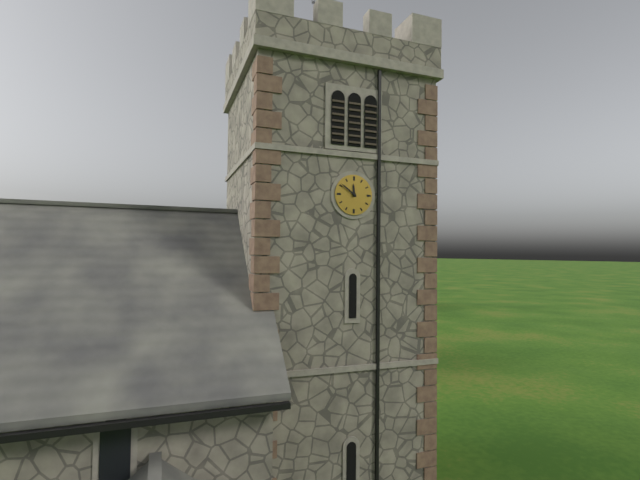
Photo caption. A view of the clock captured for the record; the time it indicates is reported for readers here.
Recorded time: 11:51
